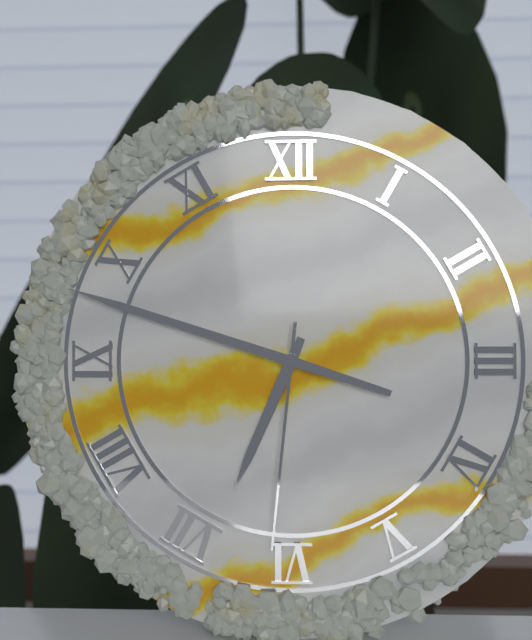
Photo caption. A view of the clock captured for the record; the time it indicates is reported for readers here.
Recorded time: 6:48:31
